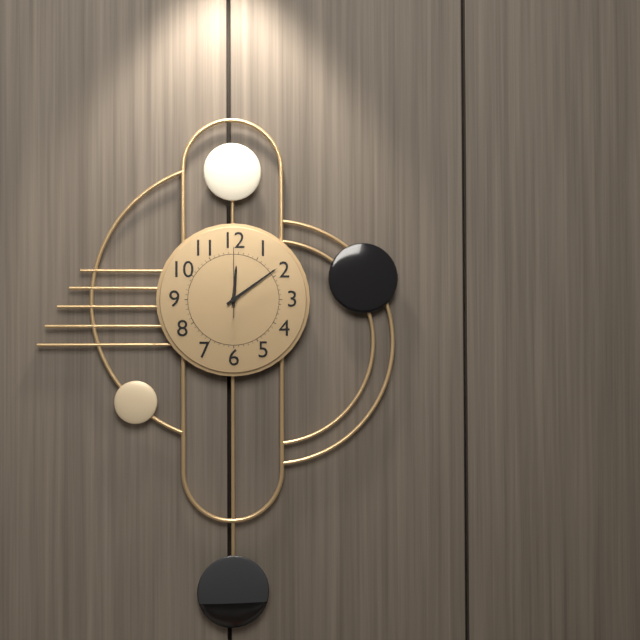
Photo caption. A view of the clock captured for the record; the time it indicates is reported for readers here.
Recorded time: 12:09:00
